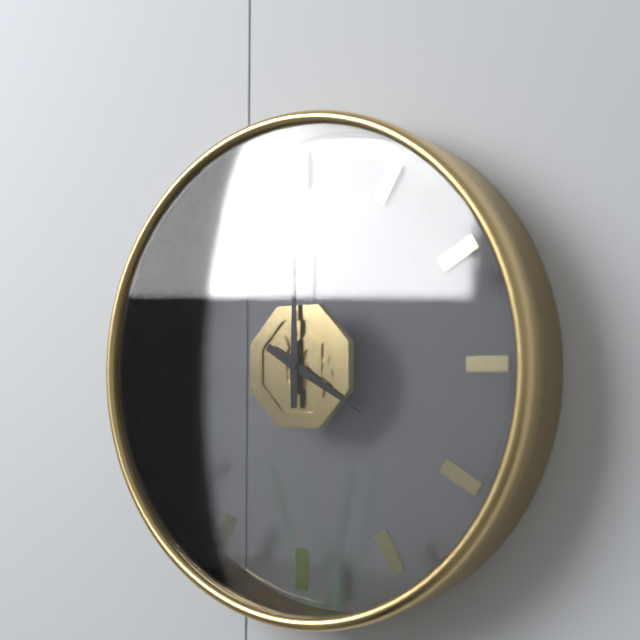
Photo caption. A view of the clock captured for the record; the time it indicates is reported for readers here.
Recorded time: 4:00
